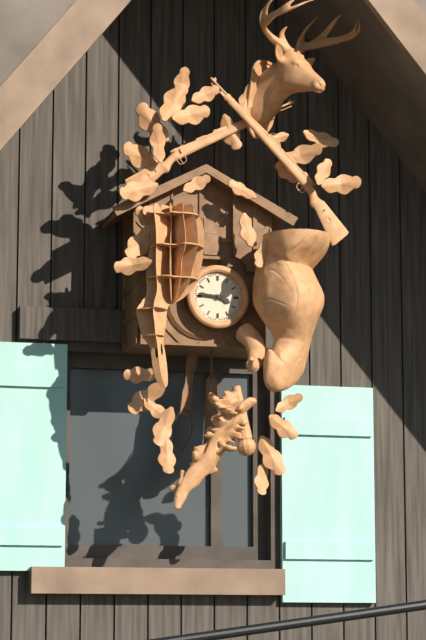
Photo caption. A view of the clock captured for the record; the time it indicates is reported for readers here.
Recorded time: 3:46
